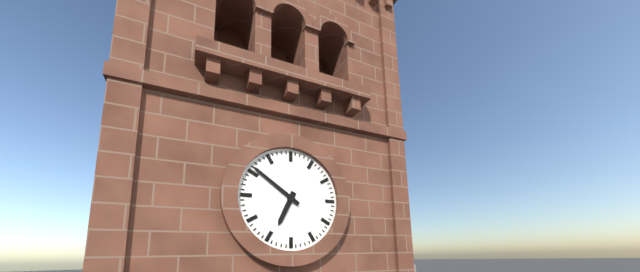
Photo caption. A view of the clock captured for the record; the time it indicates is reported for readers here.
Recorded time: 6:51
